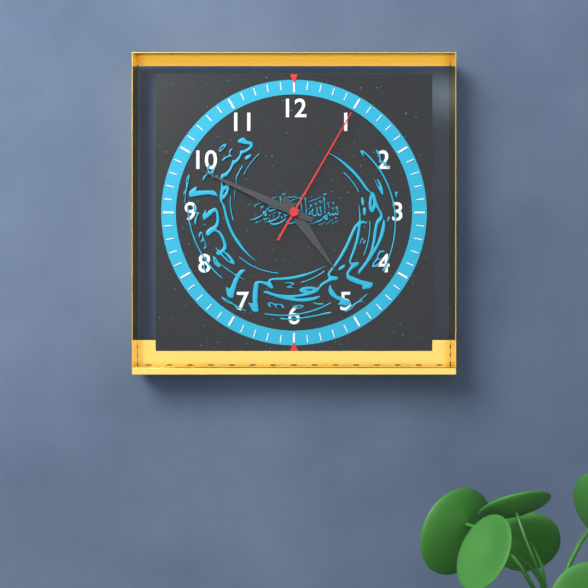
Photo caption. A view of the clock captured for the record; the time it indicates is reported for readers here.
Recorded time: 4:49:05
